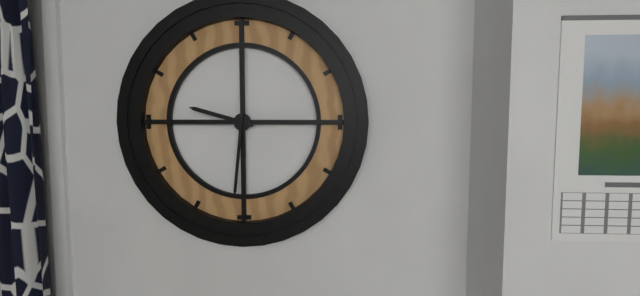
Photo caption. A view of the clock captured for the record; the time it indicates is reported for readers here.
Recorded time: 9:31
